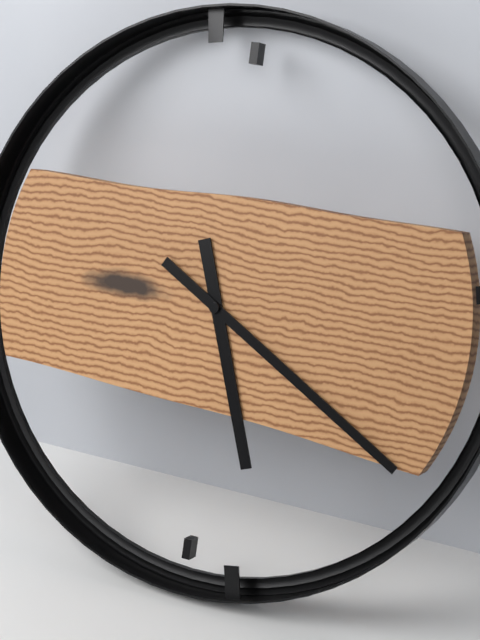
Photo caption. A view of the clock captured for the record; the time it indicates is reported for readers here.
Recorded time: 5:20
